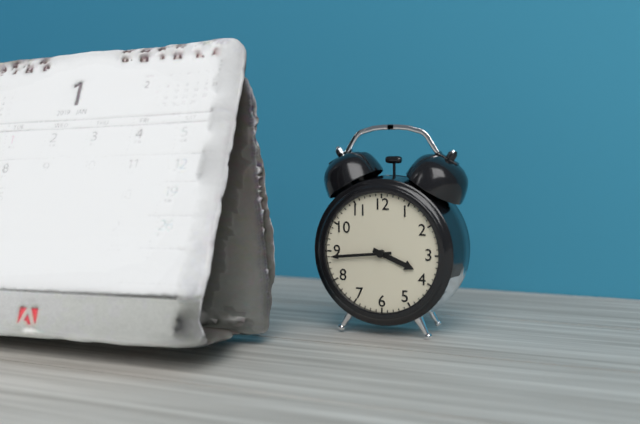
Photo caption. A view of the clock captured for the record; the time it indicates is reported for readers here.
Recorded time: 3:44
